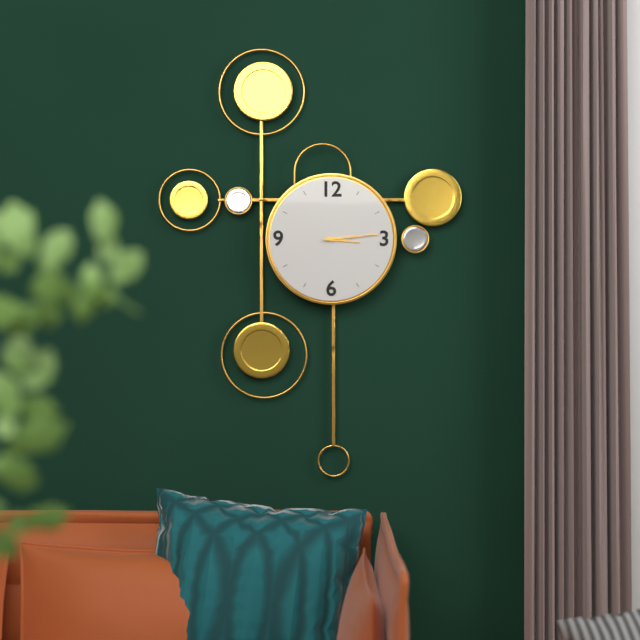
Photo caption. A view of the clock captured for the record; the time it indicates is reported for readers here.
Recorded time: 3:14
